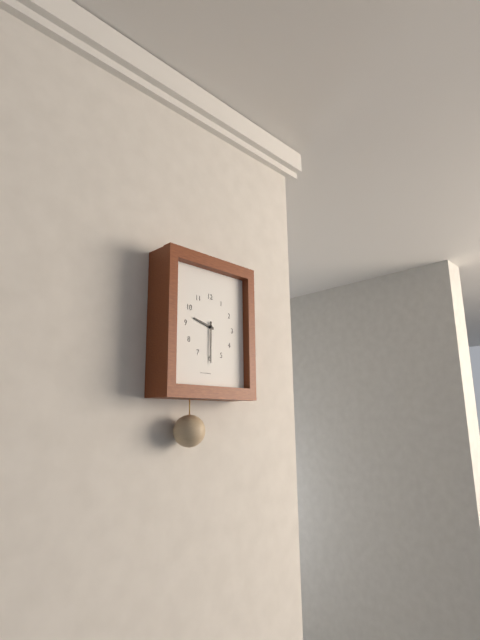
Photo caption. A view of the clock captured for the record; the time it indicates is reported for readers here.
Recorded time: 9:30
